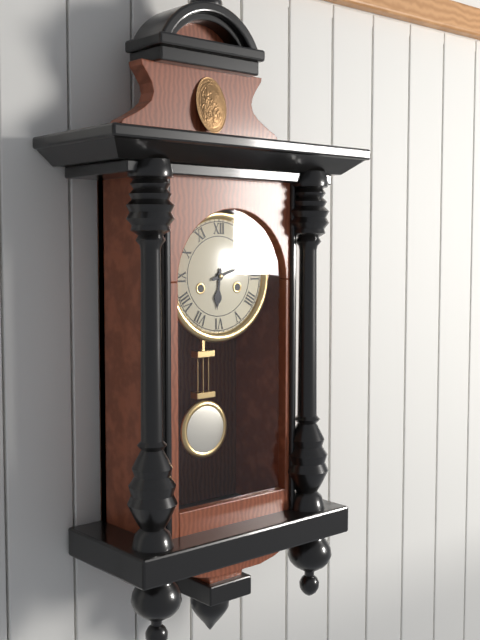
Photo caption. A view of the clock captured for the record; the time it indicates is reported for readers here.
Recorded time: 6:12
